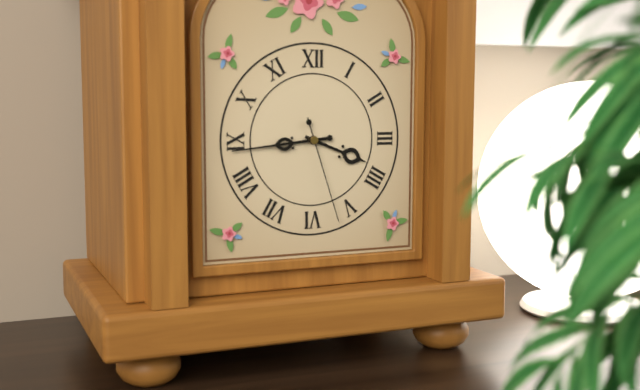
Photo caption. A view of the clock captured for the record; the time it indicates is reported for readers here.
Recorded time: 3:44:27
